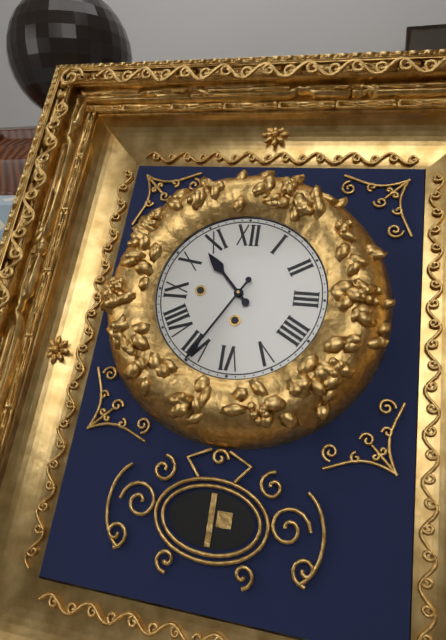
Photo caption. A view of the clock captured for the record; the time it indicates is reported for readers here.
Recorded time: 10:35
